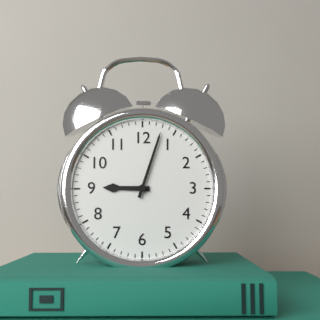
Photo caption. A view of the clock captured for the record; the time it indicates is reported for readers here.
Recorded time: 9:03
